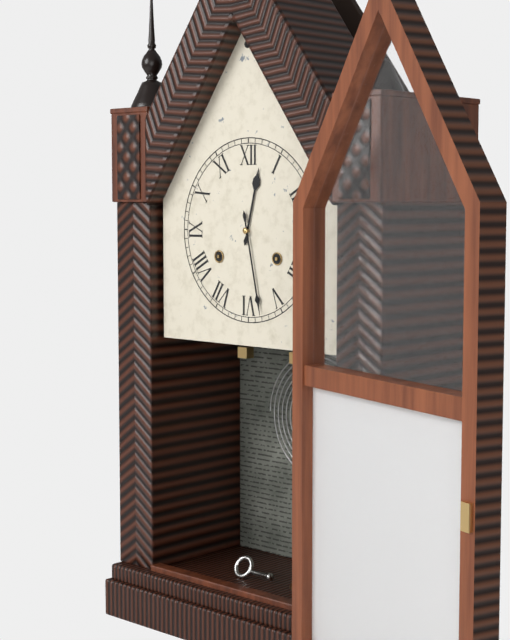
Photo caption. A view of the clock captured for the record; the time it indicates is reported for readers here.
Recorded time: 12:28
